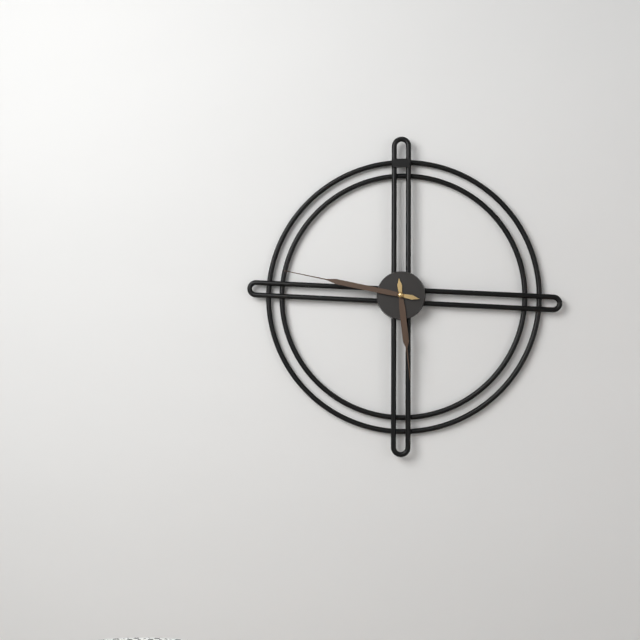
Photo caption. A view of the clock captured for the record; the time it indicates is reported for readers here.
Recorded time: 5:47
